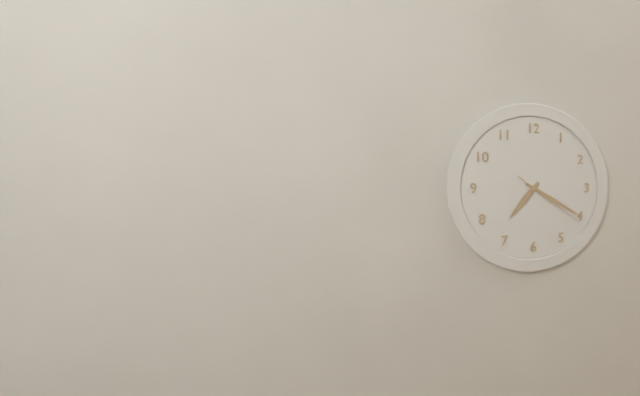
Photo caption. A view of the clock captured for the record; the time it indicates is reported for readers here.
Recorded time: 7:20:21
